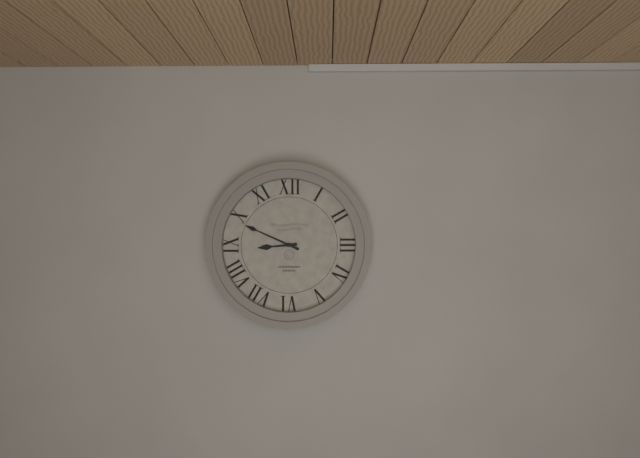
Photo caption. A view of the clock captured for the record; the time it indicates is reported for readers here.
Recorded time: 8:49
